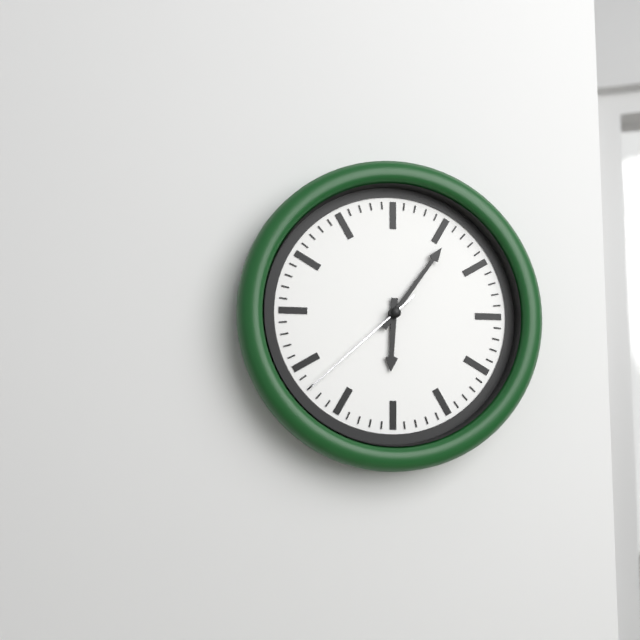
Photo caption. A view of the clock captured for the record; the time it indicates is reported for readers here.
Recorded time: 6:06:38
